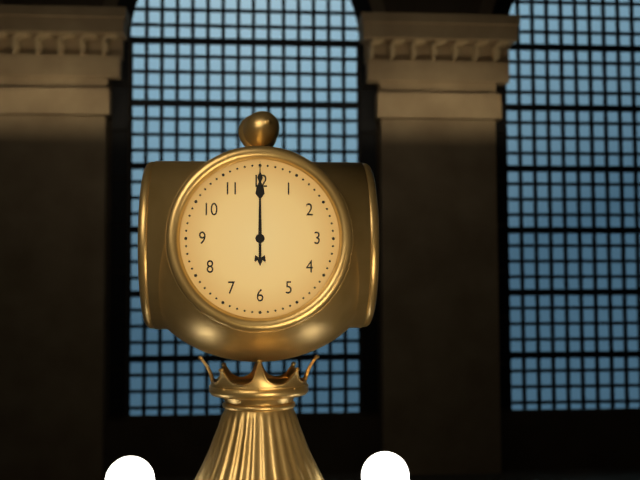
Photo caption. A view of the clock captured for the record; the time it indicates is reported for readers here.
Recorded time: 12:00
